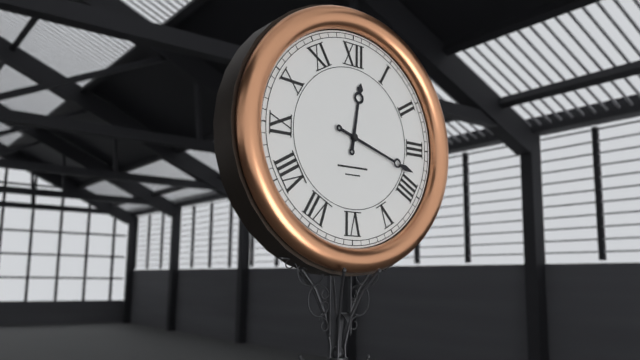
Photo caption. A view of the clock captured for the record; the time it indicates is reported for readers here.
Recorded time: 12:18
